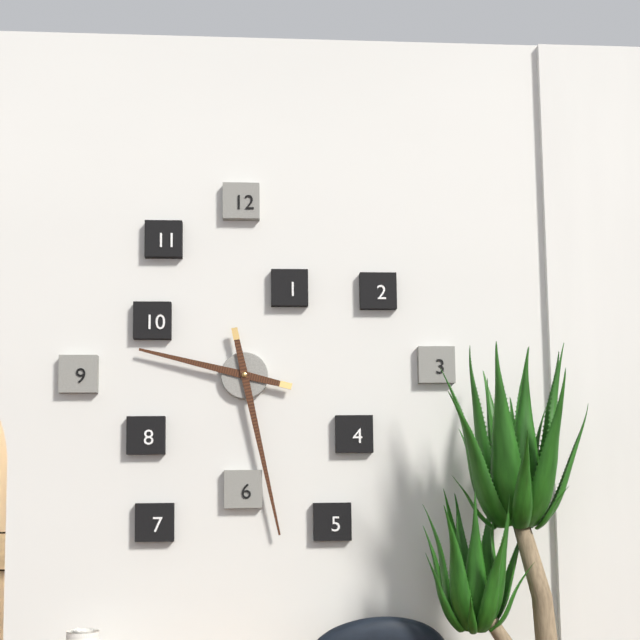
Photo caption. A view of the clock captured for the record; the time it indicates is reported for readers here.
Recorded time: 9:28
